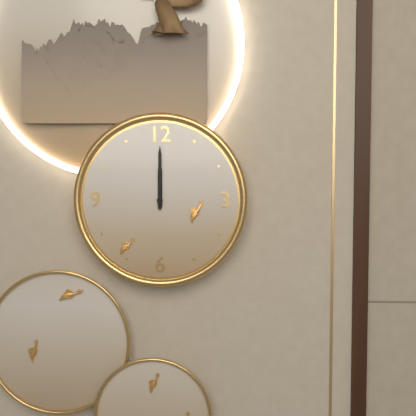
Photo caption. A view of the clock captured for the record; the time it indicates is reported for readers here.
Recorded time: 12:00
